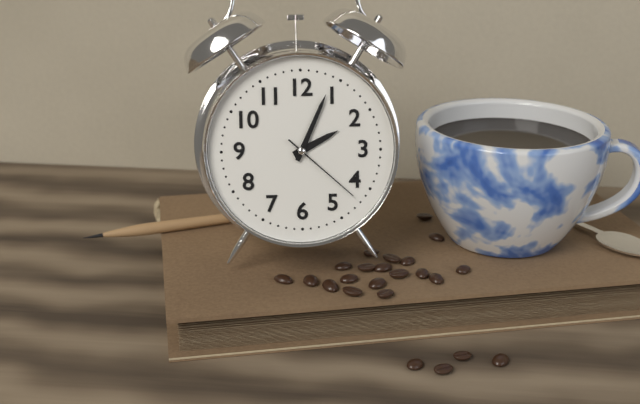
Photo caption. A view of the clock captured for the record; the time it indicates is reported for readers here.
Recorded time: 2:04:22
